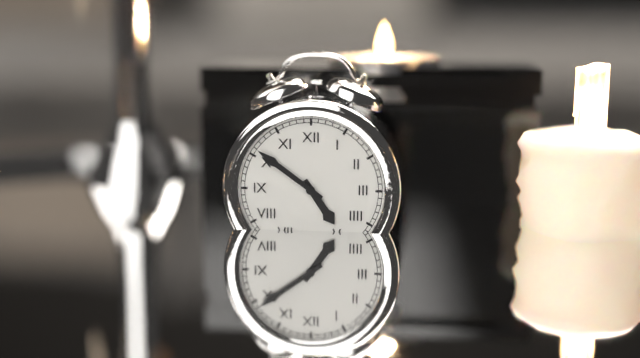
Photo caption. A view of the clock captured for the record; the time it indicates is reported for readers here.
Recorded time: 4:51
